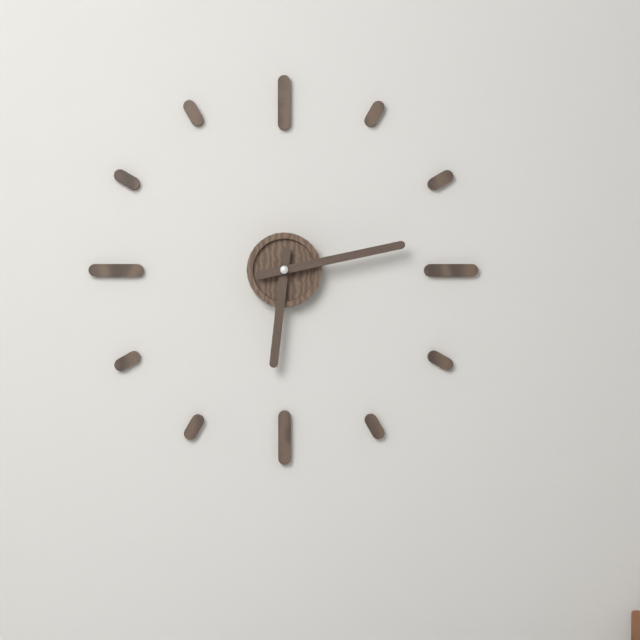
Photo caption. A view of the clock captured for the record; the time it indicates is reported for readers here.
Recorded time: 6:13
